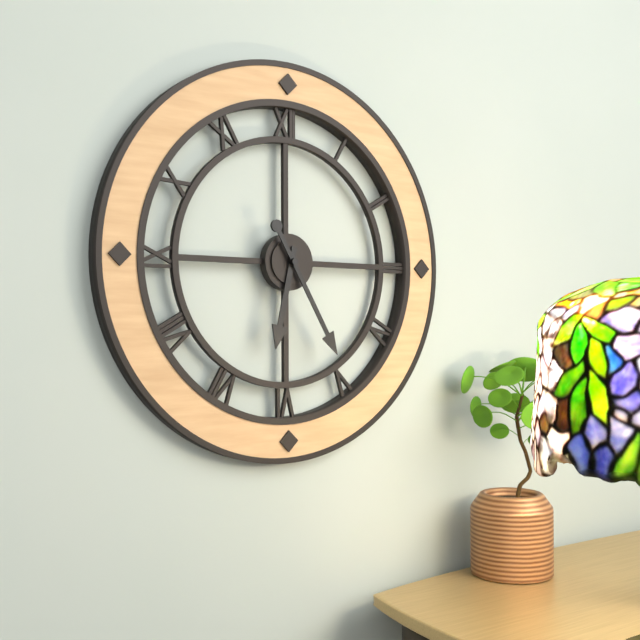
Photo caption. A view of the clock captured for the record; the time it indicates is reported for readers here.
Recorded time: 6:25
